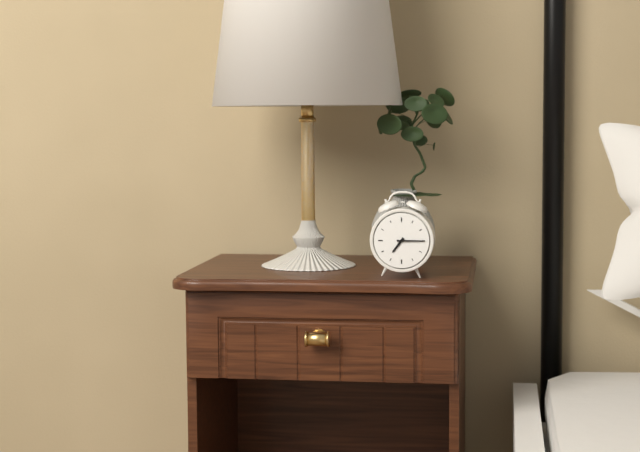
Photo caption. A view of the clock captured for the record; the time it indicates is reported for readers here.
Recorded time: 7:15
